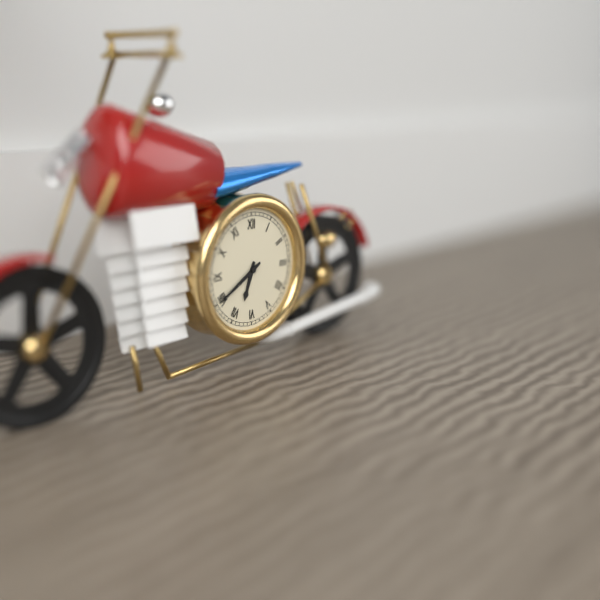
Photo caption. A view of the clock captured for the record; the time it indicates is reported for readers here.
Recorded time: 6:40
